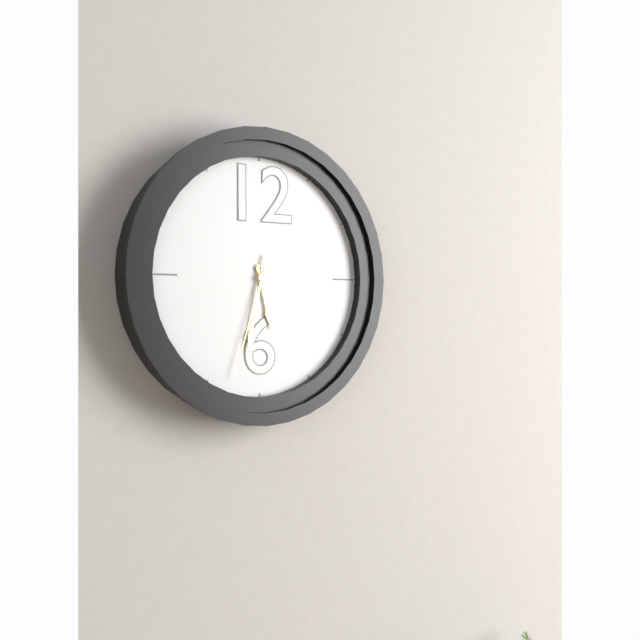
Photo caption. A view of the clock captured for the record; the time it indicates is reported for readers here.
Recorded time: 5:32:33
